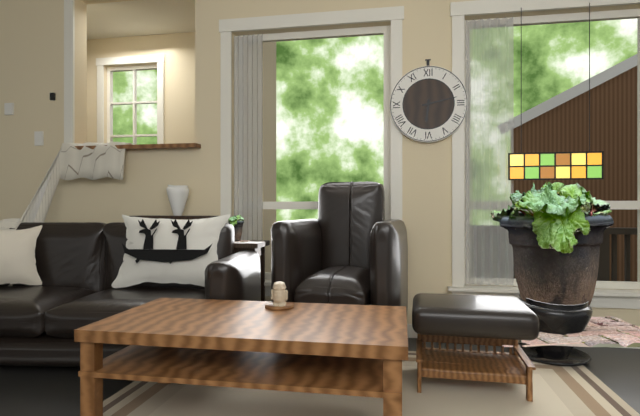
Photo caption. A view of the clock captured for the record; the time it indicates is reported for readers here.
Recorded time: 6:13
